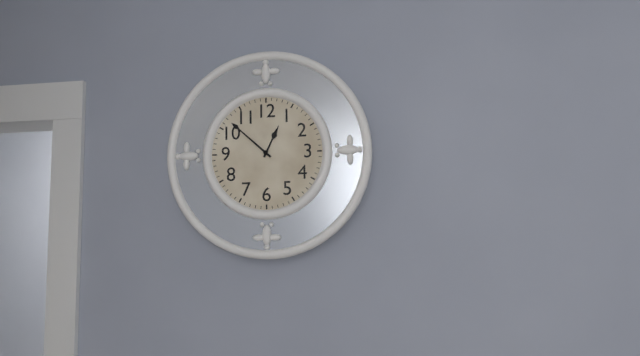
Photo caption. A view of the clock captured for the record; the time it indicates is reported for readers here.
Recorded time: 12:52
